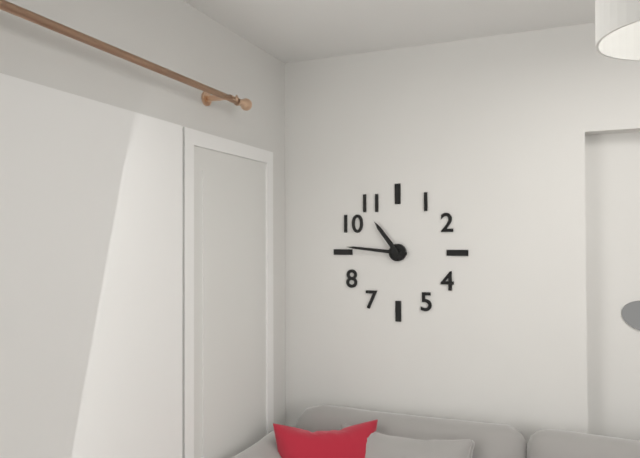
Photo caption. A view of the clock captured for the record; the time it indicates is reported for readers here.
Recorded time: 10:46
